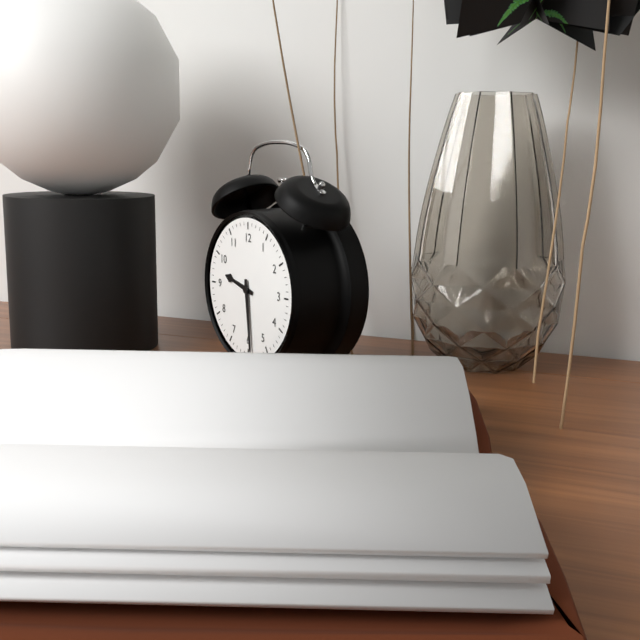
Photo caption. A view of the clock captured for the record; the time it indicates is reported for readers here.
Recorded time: 9:29
